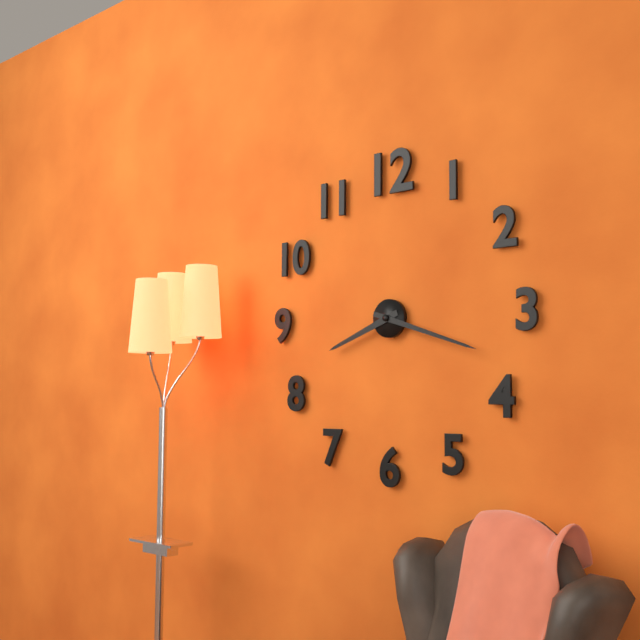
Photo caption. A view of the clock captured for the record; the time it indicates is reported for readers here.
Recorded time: 8:18
